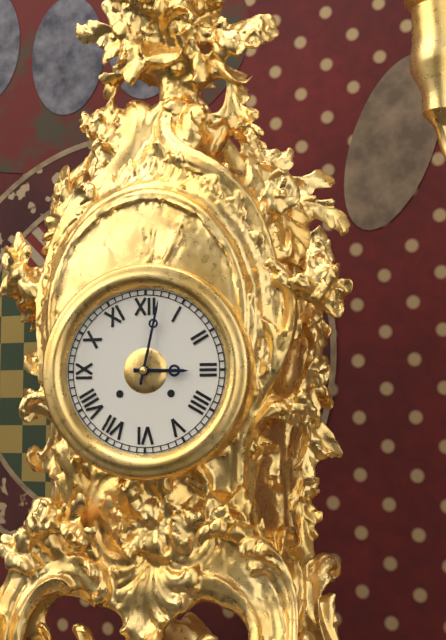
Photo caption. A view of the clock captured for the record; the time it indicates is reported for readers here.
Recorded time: 3:02
